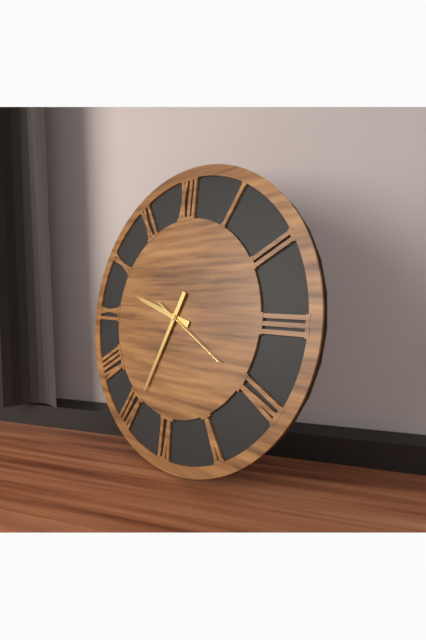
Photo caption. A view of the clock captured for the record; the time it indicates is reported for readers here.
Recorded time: 9:34:20
